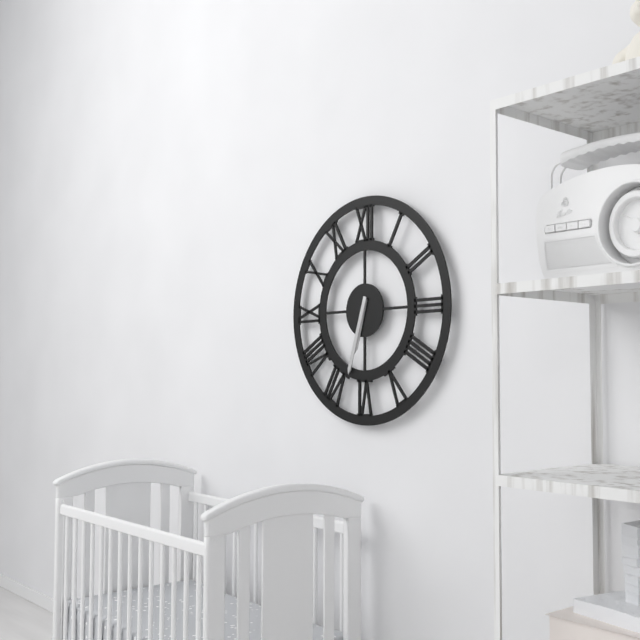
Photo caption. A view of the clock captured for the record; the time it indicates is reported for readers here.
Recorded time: 6:33
